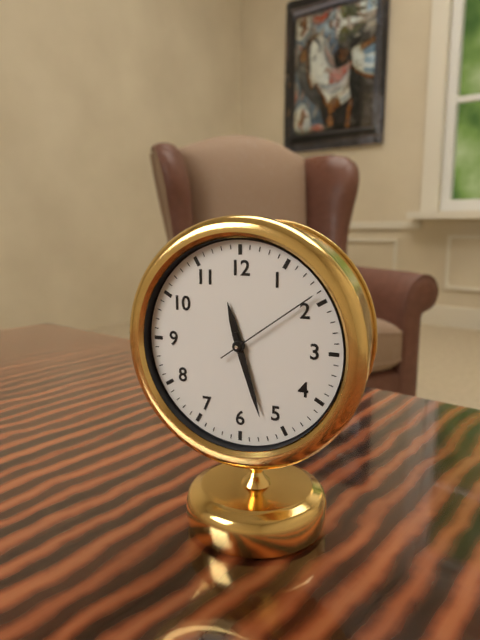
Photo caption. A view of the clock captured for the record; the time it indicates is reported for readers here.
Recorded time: 11:27:09
